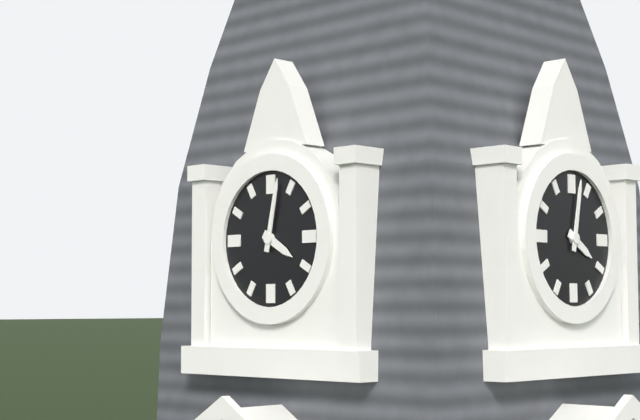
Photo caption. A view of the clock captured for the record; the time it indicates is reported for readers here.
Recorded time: 4:02
